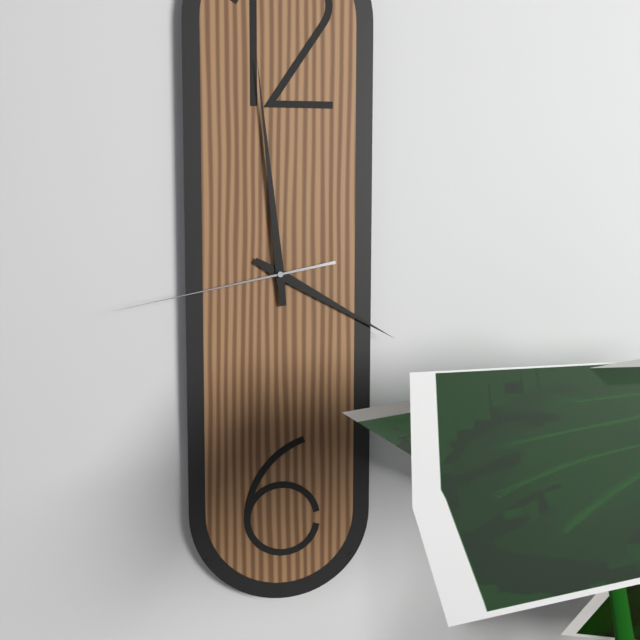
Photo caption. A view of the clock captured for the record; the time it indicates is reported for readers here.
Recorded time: 3:59:43
